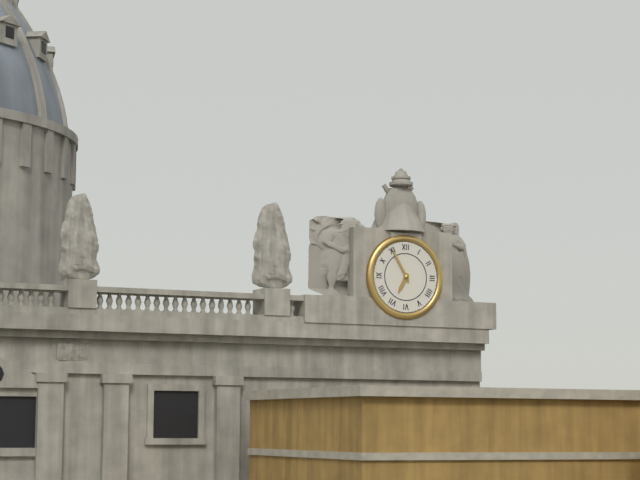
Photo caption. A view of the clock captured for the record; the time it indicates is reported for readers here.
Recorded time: 6:55
